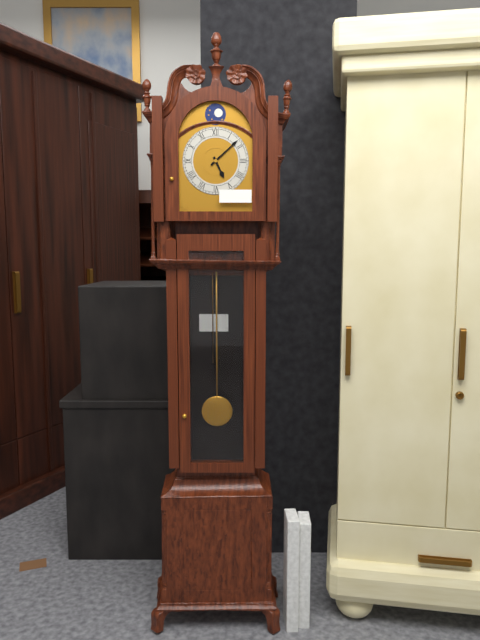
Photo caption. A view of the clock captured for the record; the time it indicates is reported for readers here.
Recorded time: 5:08
